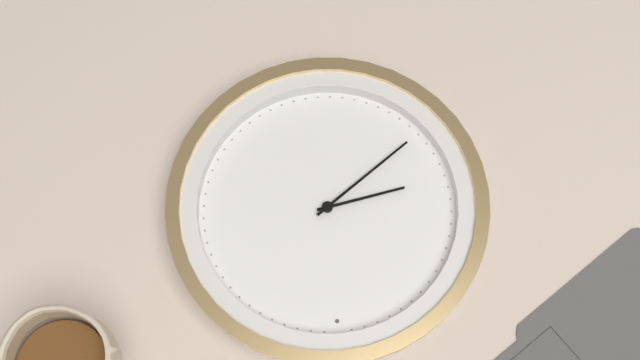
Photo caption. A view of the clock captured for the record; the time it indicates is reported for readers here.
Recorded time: 8:39
